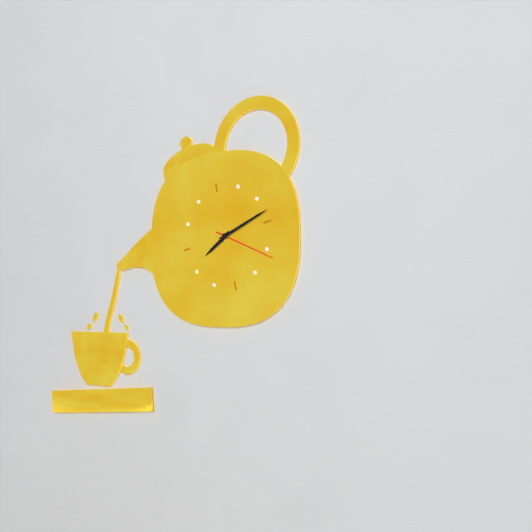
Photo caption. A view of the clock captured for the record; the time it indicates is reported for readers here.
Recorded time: 8:13:21
